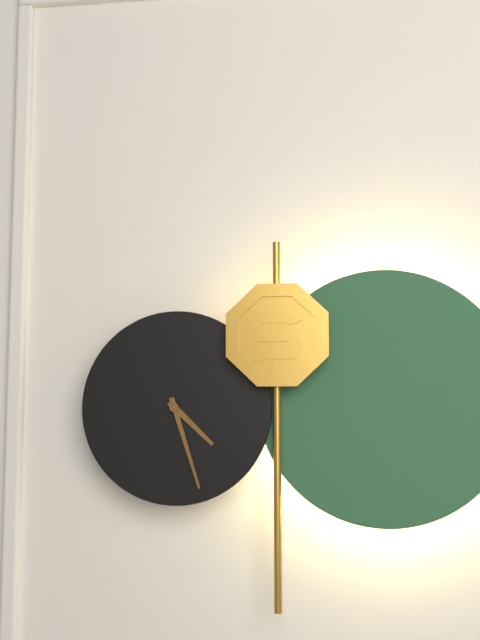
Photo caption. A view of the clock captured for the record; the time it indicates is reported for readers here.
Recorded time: 4:27
